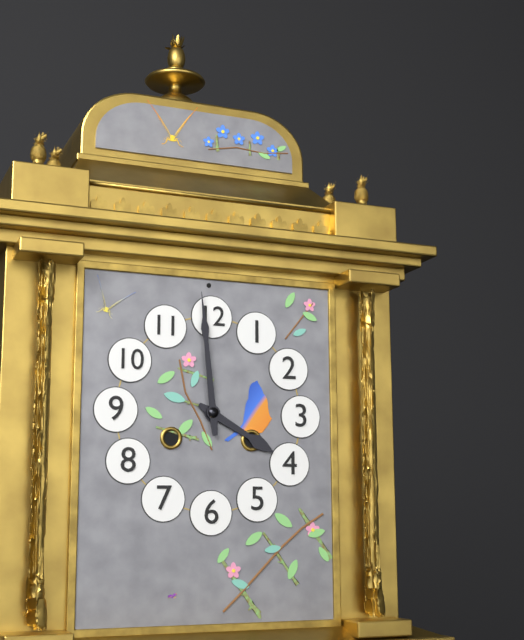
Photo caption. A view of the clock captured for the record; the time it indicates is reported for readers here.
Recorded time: 3:59
